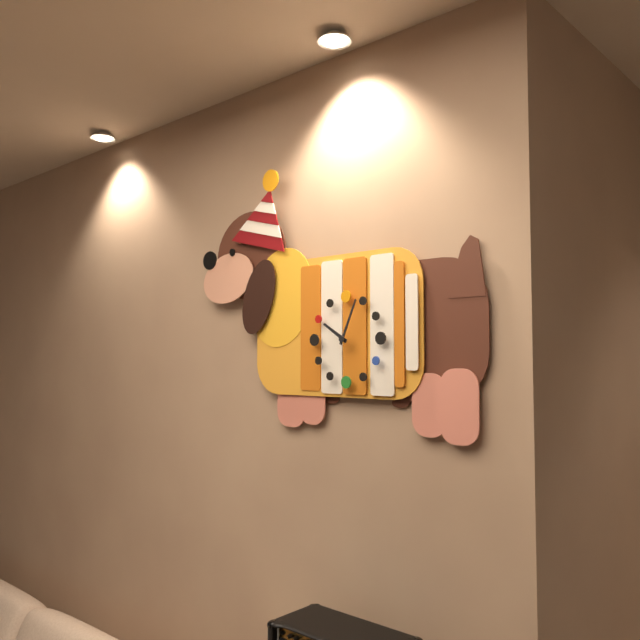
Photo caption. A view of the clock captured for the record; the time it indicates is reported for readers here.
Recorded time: 10:04
